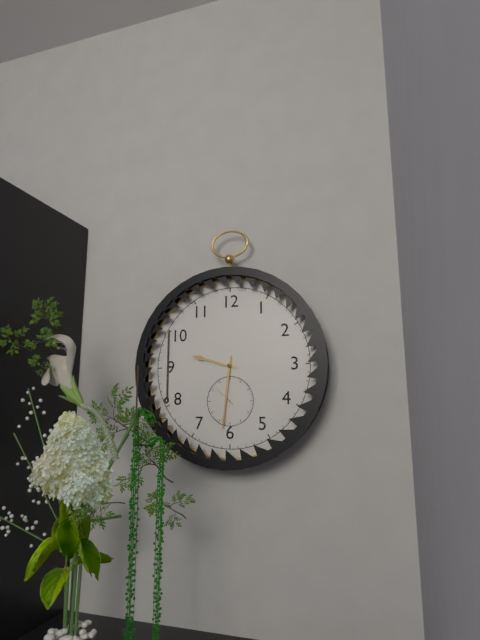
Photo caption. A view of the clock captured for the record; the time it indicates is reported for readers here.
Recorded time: 9:31
